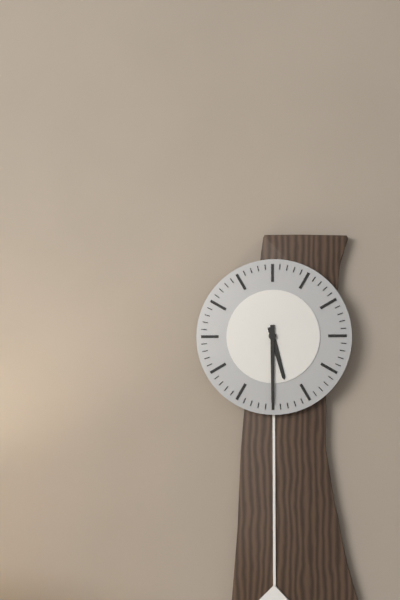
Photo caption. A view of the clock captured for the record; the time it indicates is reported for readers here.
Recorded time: 5:30
